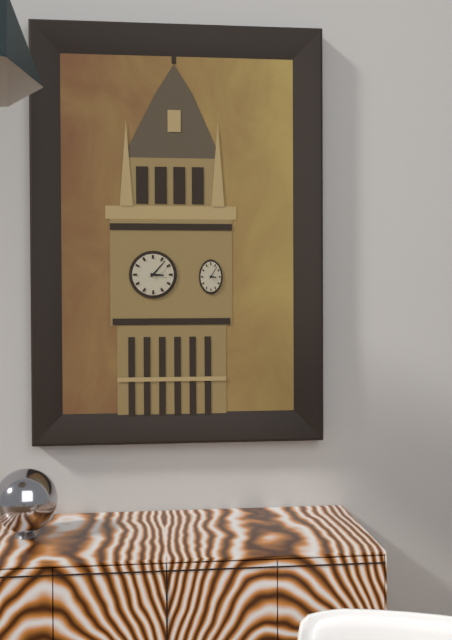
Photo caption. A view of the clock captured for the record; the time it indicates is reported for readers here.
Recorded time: 3:07
